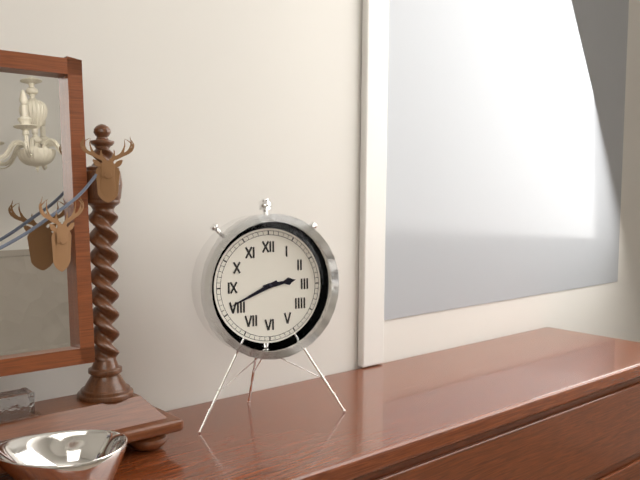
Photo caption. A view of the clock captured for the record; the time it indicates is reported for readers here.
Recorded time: 2:41
